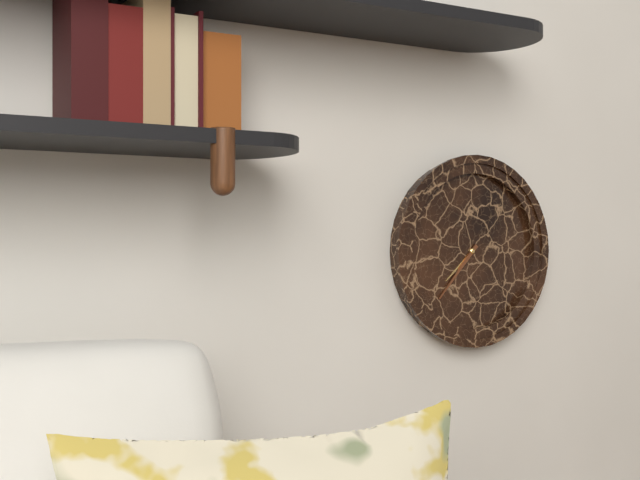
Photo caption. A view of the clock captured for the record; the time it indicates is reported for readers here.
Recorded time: 7:37
